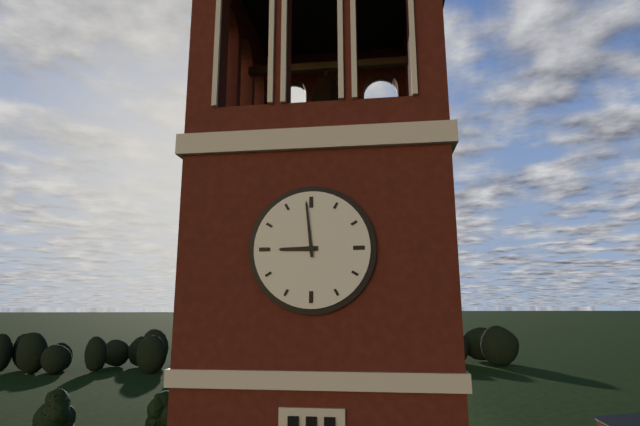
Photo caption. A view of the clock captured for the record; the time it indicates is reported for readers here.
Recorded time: 8:59
